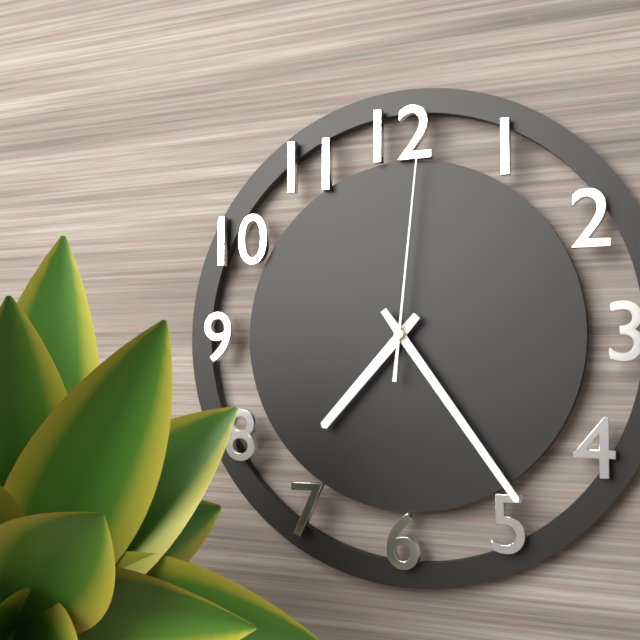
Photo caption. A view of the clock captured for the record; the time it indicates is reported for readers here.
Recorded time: 7:24:01
